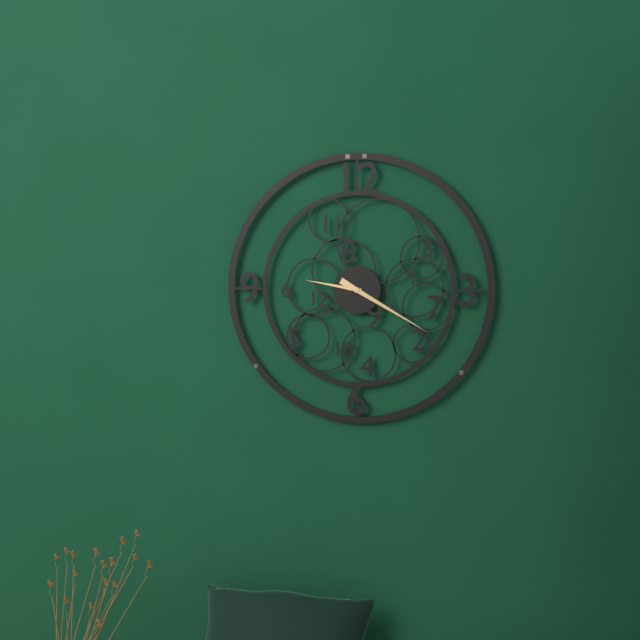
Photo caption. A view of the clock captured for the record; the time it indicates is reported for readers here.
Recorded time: 9:20
